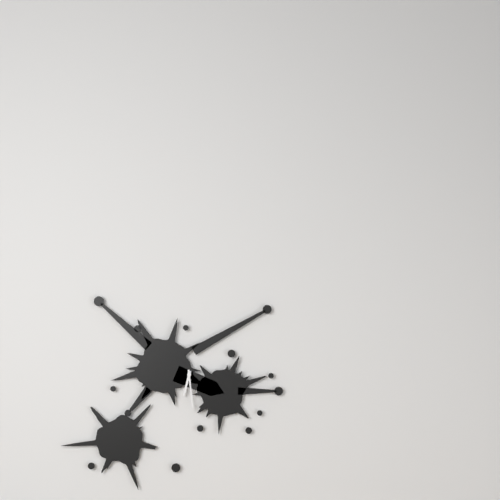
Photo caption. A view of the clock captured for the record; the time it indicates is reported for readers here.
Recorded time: 6:29
